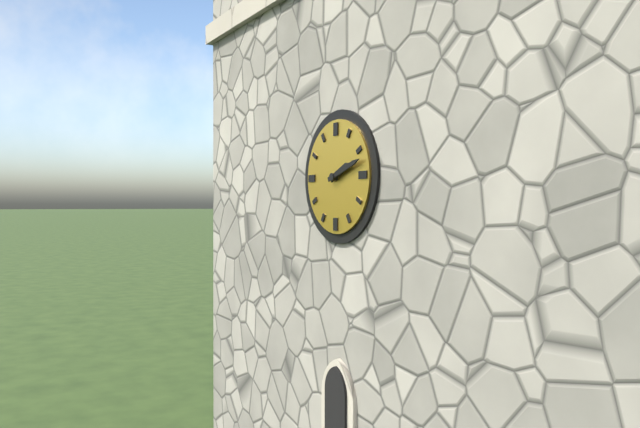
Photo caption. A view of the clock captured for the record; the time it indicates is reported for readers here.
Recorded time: 2:12
